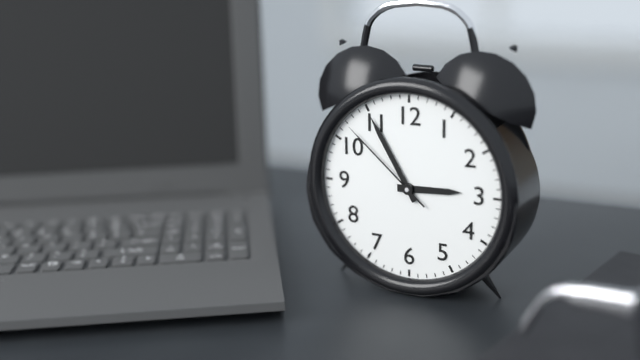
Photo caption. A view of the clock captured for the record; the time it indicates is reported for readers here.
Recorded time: 2:55:52
